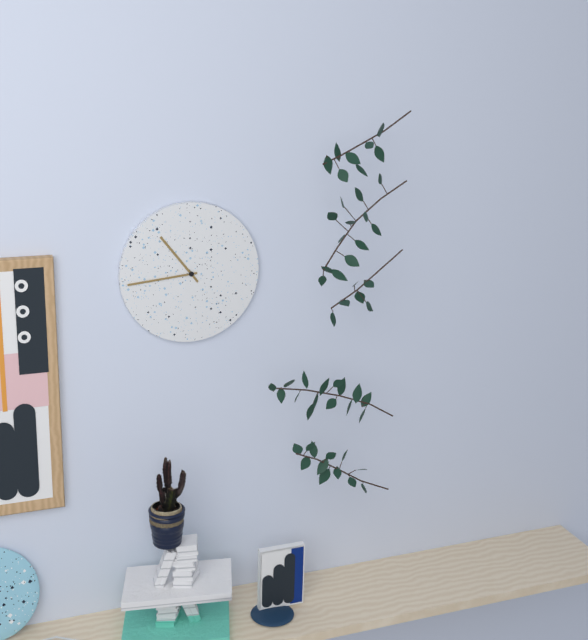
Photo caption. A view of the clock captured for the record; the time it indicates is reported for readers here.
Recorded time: 10:44
